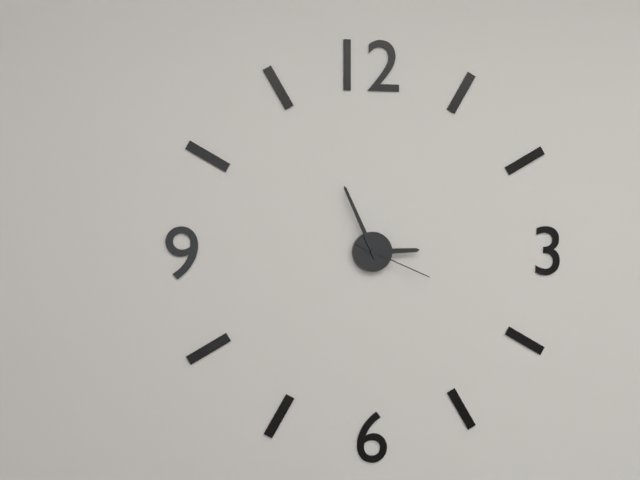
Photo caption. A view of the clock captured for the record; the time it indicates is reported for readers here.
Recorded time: 2:56:19
